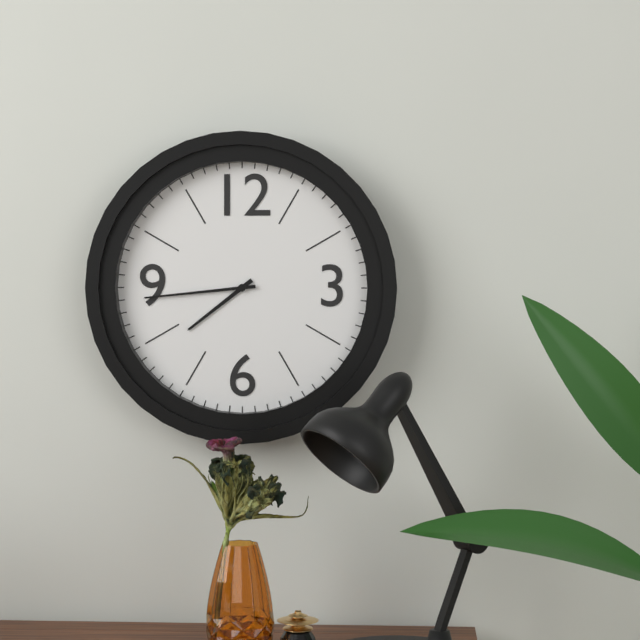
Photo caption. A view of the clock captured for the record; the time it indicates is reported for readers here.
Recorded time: 7:44
